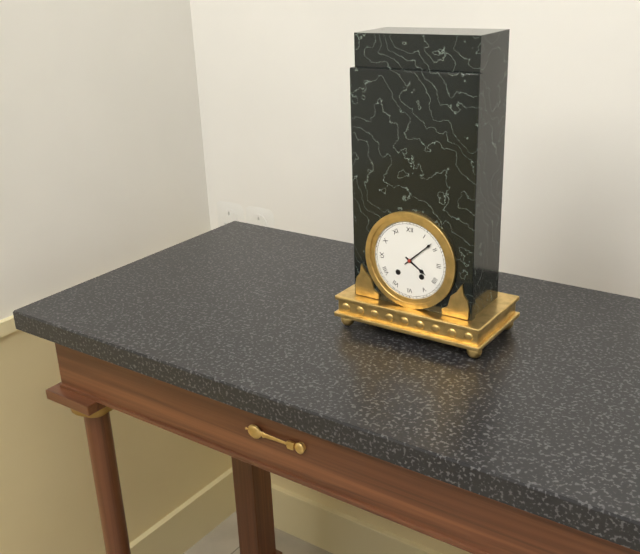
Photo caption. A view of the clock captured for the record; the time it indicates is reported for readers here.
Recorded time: 4:08
